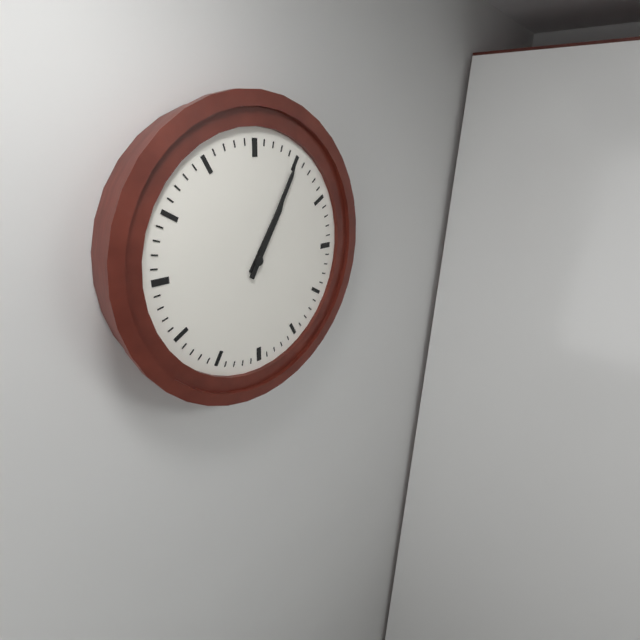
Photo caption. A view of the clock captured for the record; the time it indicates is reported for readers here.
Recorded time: 1:05
